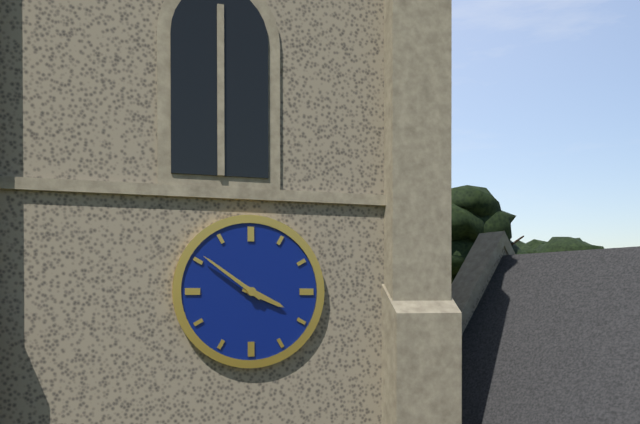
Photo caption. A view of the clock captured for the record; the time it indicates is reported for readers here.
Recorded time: 3:51
